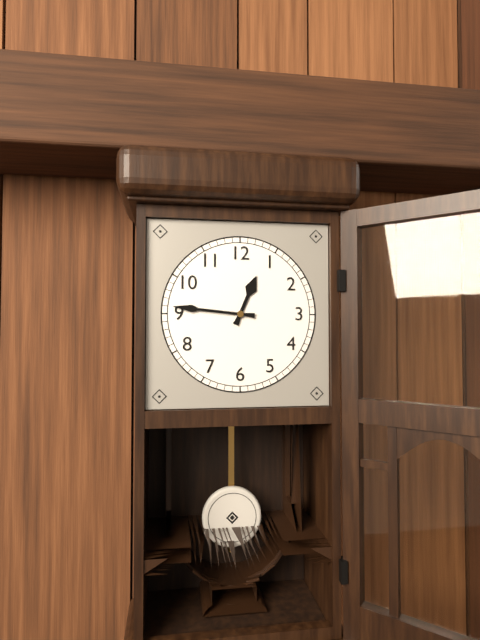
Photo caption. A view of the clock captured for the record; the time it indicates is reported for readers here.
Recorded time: 12:46
